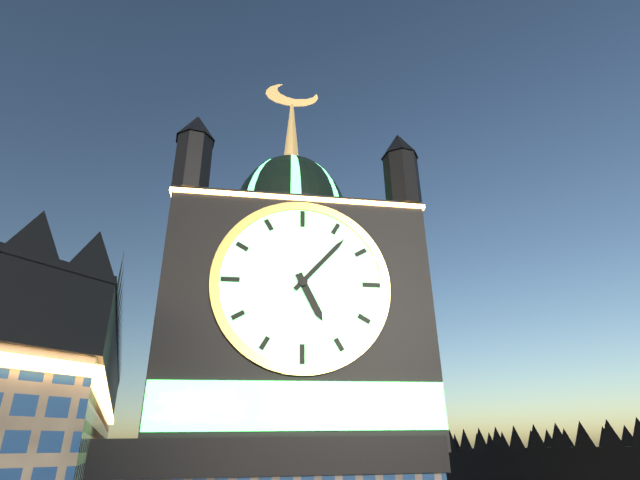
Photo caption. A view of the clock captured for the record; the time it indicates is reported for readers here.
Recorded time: 5:07
